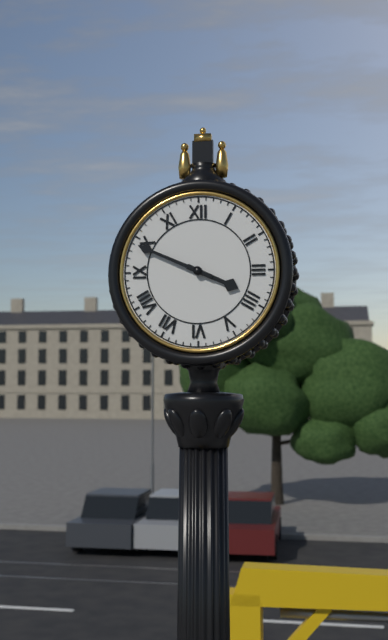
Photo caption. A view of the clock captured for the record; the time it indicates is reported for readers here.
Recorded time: 3:49
